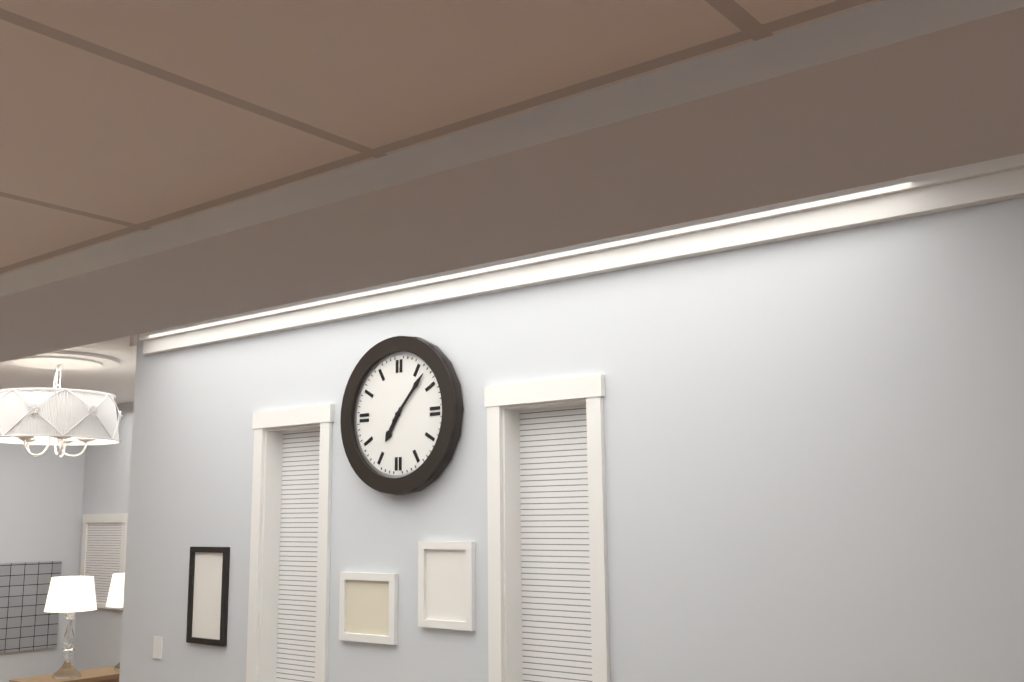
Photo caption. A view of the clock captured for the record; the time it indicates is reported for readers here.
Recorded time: 7:07
